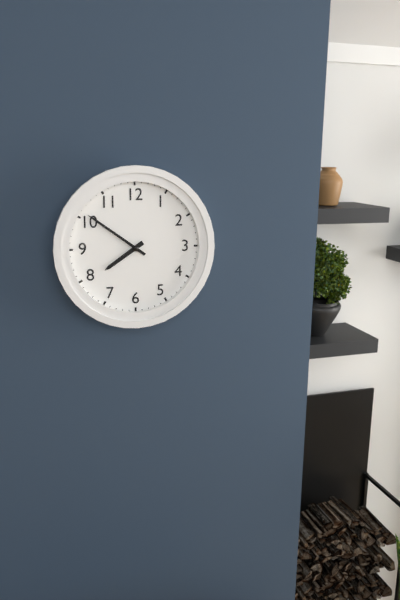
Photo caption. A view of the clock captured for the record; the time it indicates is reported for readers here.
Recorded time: 7:51
